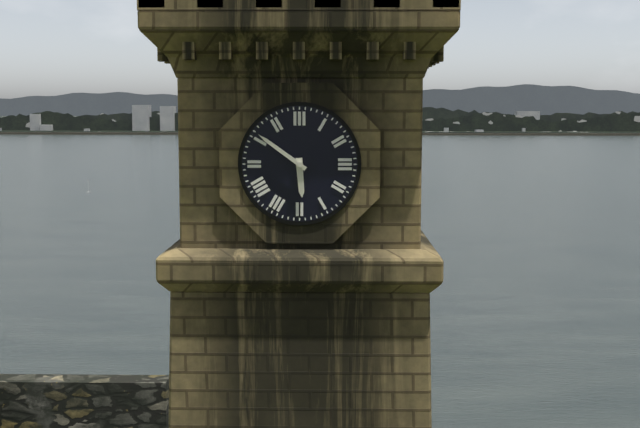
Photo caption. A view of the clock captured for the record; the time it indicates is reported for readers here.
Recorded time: 5:51
